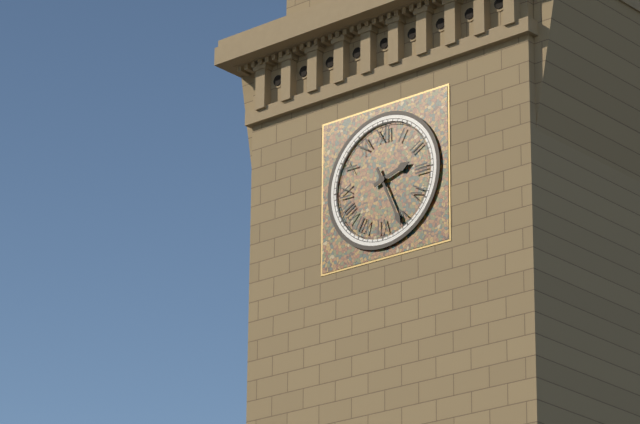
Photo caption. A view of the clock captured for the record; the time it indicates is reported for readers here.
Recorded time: 2:26
